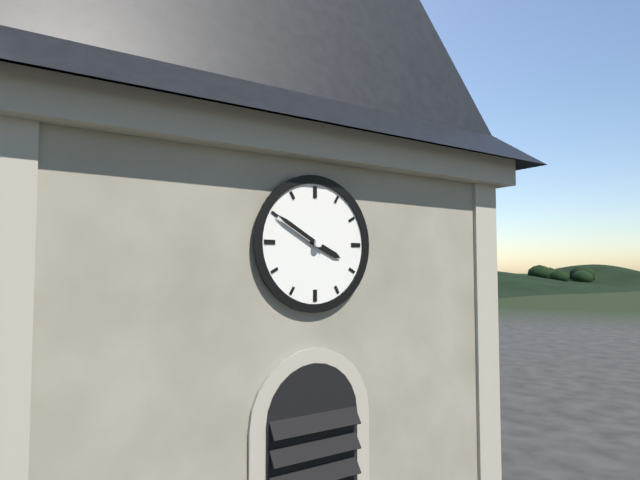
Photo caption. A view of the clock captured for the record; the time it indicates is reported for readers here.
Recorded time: 3:50
